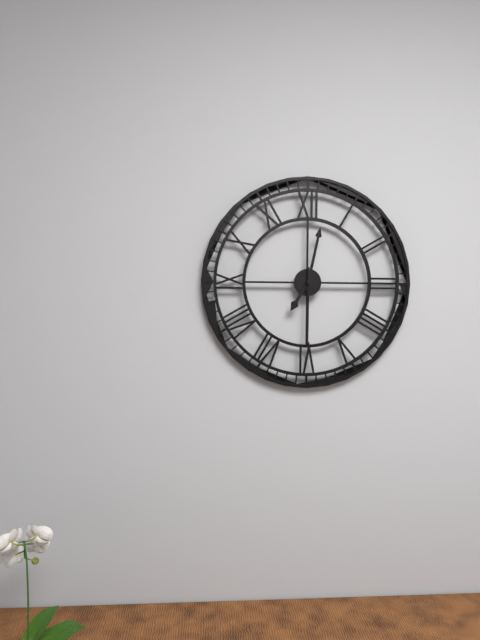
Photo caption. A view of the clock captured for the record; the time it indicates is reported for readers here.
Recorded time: 7:02:30
